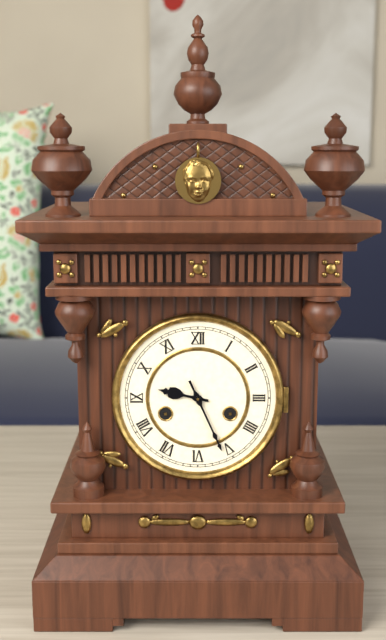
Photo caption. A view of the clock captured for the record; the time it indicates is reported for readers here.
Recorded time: 9:26
